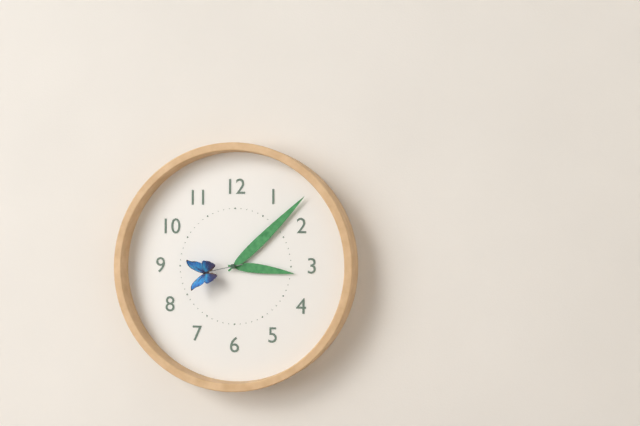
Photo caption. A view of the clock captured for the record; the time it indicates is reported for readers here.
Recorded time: 3:08:43
